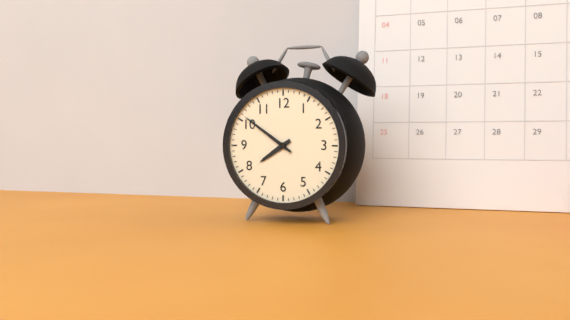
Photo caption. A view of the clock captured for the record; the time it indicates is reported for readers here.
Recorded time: 7:51
